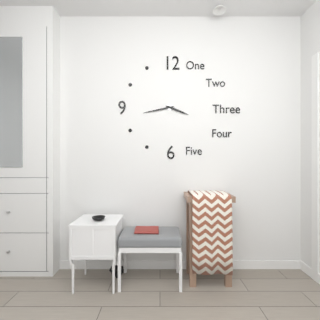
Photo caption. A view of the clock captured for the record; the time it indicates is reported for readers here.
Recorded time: 3:43
